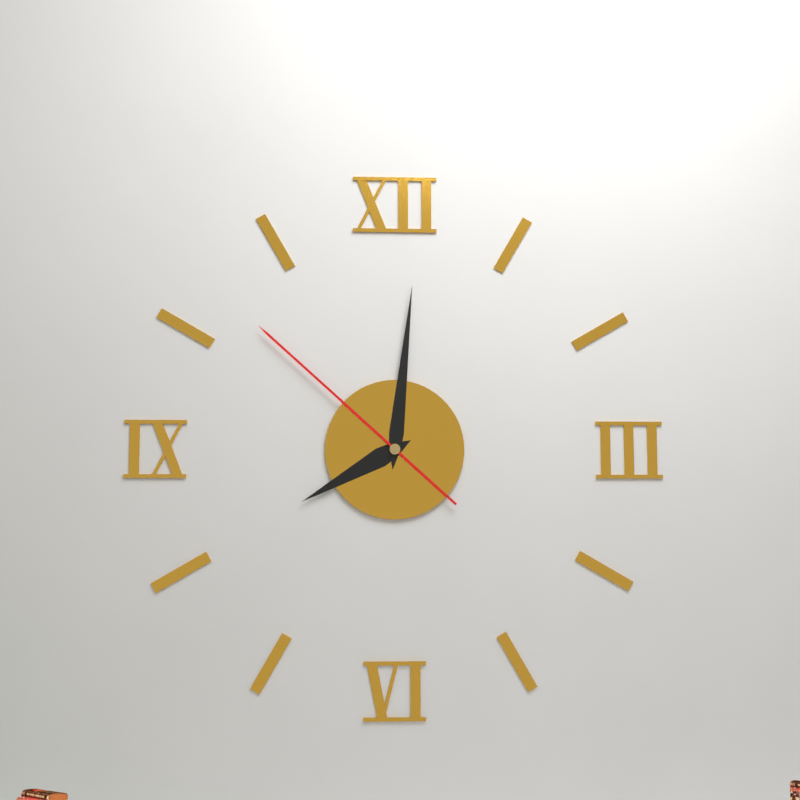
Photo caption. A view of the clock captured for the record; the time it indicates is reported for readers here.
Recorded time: 8:01:52
